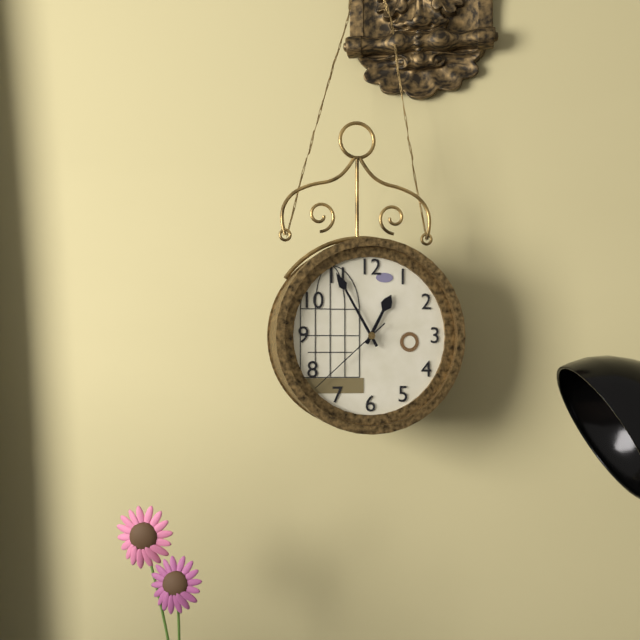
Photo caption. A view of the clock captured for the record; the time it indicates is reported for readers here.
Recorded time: 12:55:38
